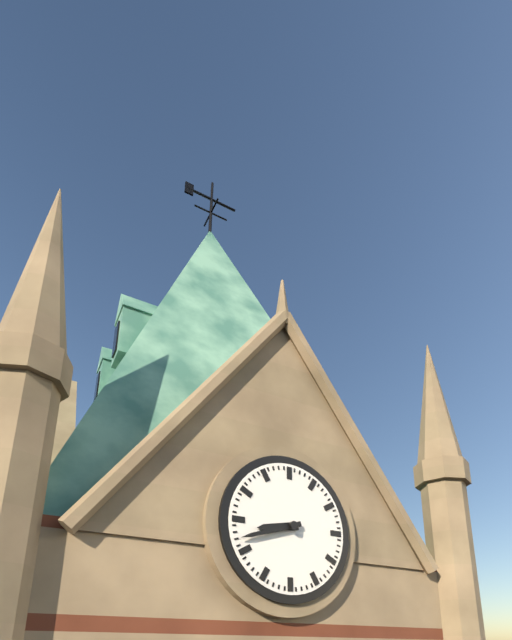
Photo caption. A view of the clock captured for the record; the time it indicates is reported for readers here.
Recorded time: 8:42
